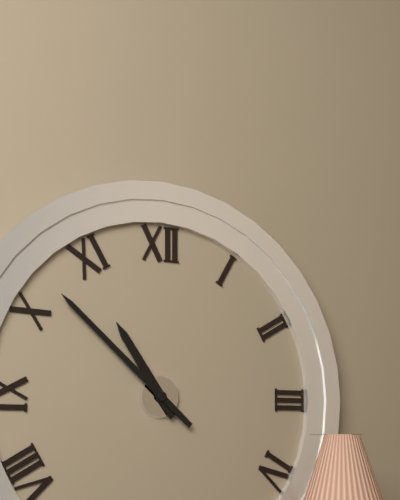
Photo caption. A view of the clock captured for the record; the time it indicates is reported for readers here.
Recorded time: 10:52
